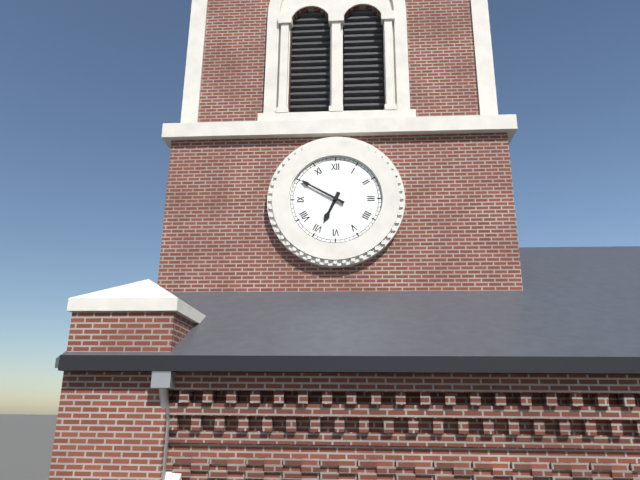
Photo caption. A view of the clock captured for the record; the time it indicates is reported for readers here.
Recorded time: 6:50
